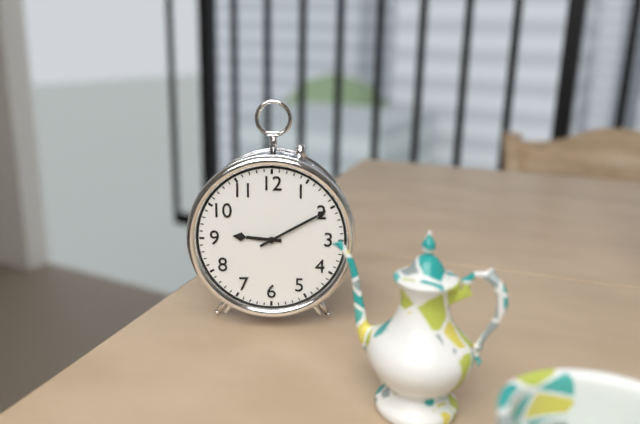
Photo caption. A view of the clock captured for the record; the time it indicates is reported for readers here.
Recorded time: 9:10
